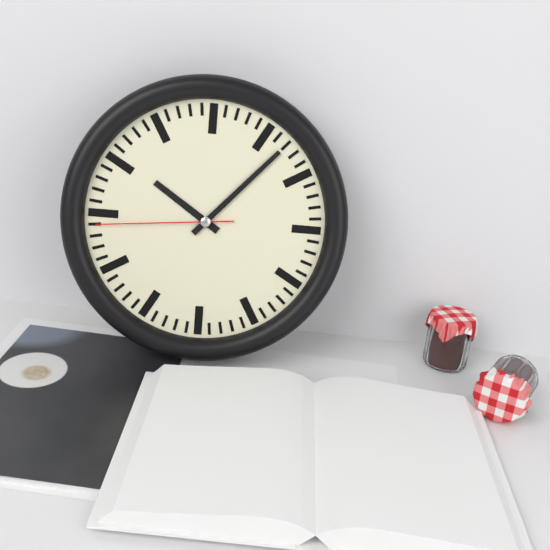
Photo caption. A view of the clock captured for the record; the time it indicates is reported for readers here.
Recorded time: 10:07:44
